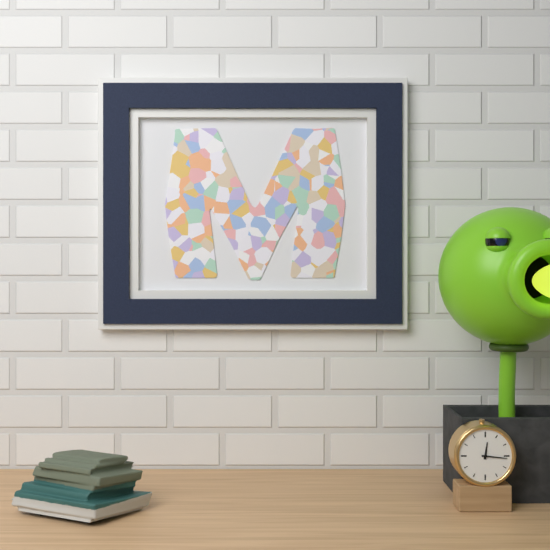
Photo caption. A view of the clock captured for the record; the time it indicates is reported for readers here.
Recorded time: 12:16
